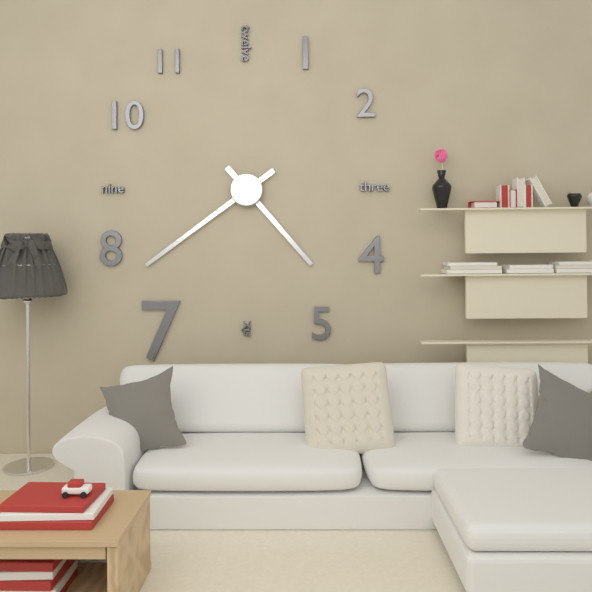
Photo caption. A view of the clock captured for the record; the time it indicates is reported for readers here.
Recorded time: 4:39
